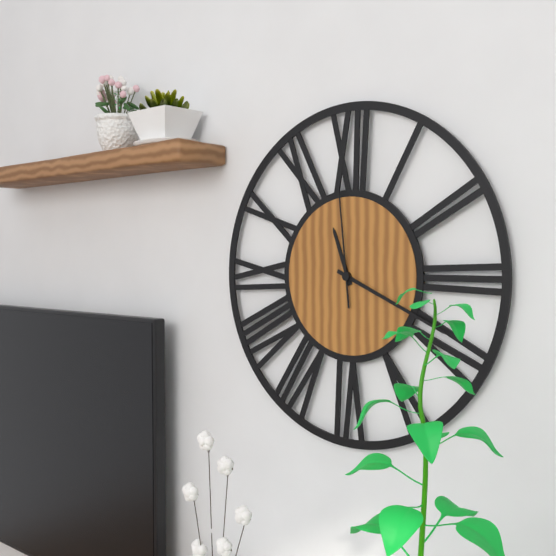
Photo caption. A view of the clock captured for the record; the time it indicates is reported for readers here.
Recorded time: 11:19:59
